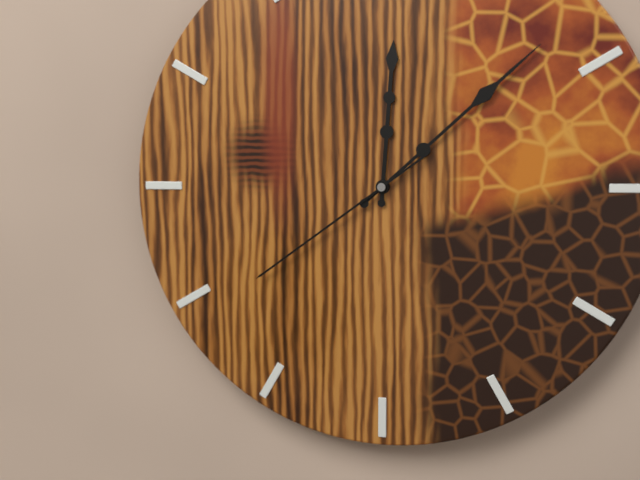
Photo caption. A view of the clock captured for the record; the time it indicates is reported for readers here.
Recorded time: 12:08:39
